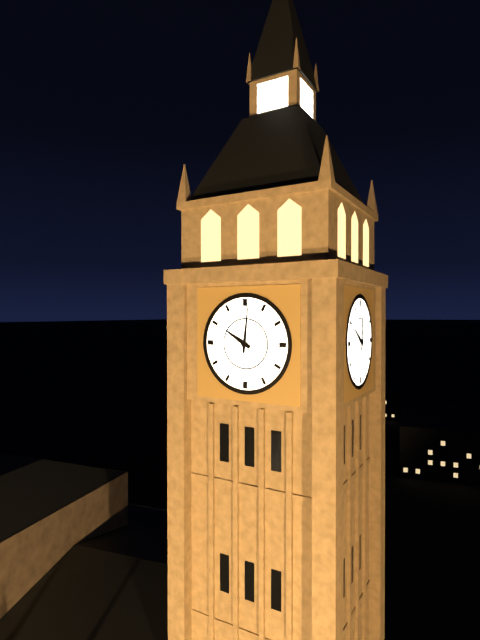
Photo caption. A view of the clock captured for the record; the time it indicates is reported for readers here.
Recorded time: 10:01
